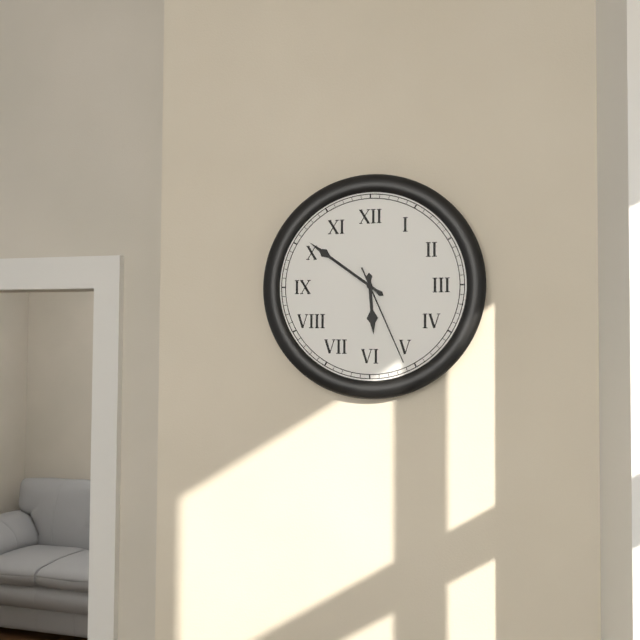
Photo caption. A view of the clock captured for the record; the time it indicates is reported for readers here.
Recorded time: 5:51:26
